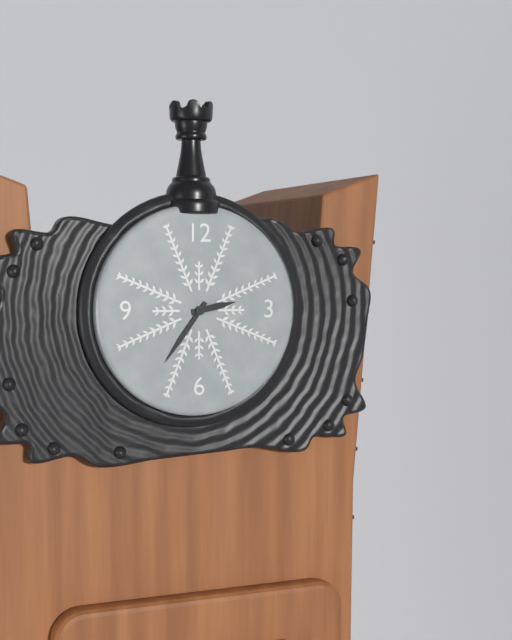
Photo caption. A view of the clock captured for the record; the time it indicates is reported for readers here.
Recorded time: 2:36
